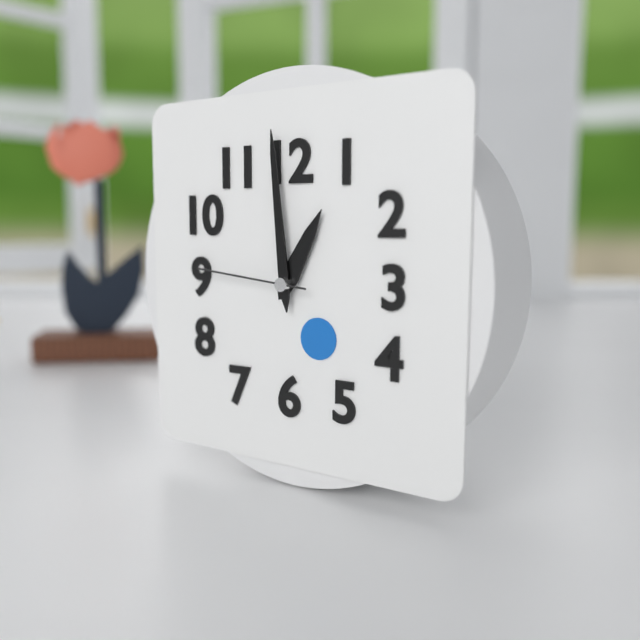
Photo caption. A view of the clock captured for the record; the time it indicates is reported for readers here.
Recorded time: 12:59:46
